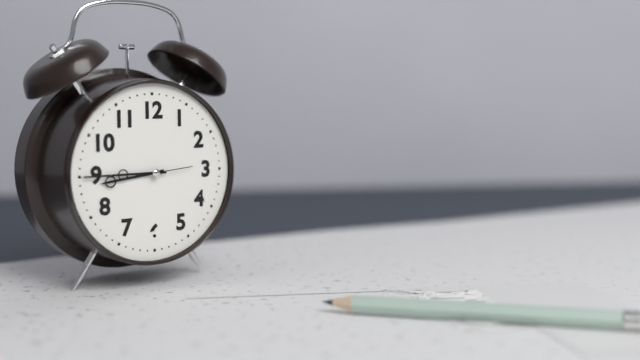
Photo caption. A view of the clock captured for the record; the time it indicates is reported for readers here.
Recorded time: 8:45
